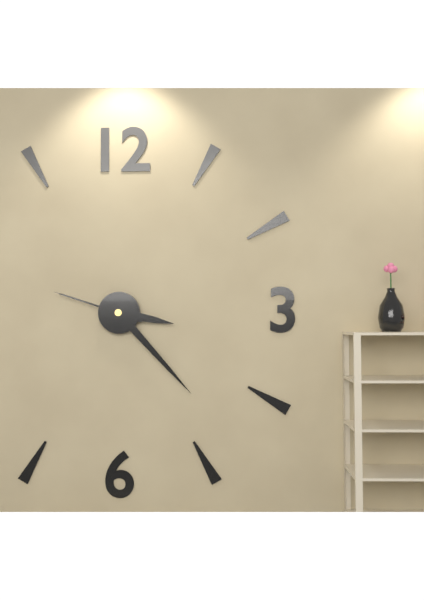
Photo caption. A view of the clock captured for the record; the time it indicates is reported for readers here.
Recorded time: 3:23:48
